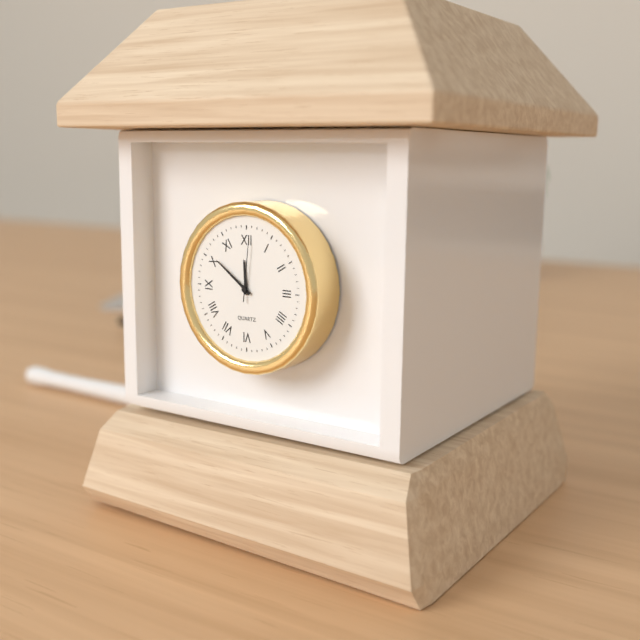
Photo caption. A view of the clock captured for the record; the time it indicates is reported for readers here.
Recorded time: 11:51:01
